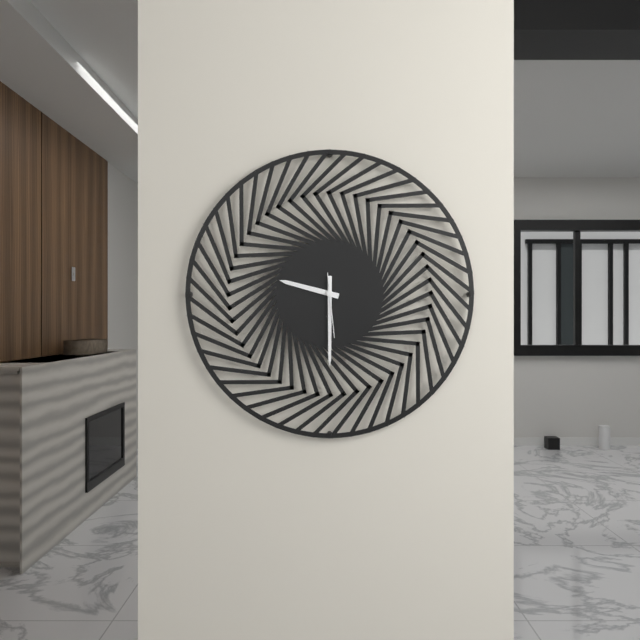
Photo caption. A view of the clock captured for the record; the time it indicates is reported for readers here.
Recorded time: 9:30:29
